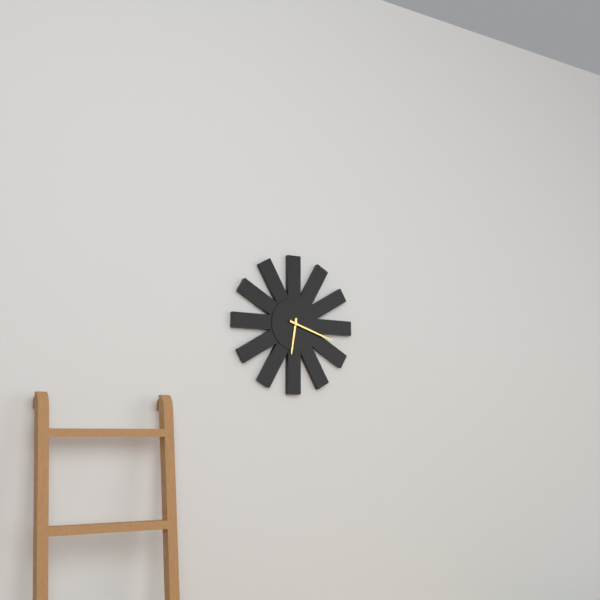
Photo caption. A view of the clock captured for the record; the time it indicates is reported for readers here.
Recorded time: 6:18
